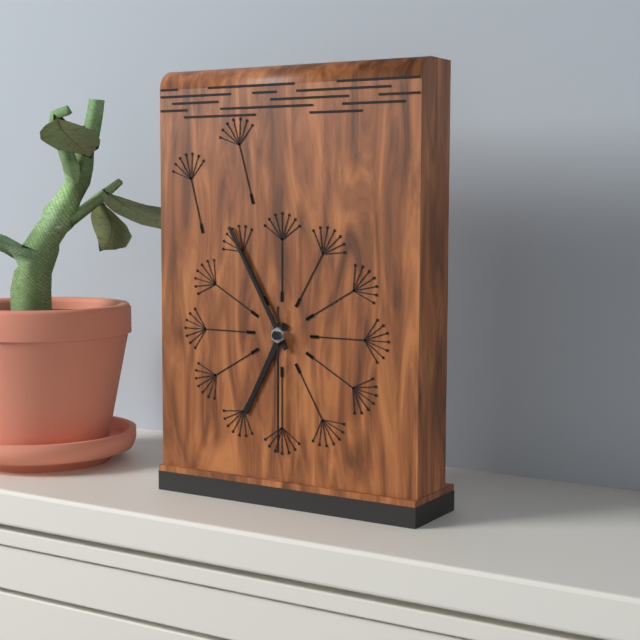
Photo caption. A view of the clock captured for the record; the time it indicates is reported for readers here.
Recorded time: 6:55:30
